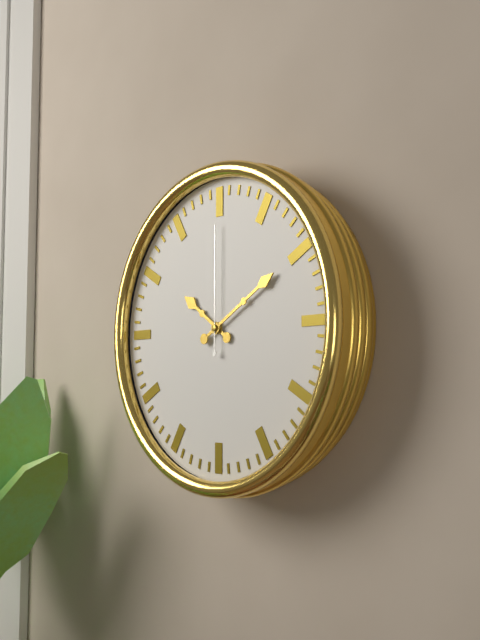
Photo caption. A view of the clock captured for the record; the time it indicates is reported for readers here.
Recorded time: 10:10:00
